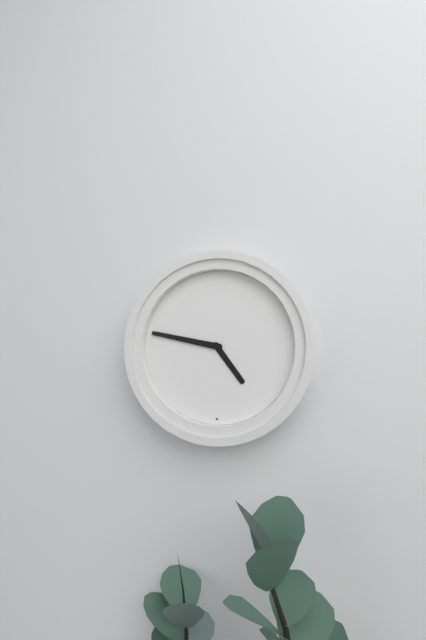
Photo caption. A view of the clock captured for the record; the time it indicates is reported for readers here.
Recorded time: 4:47
